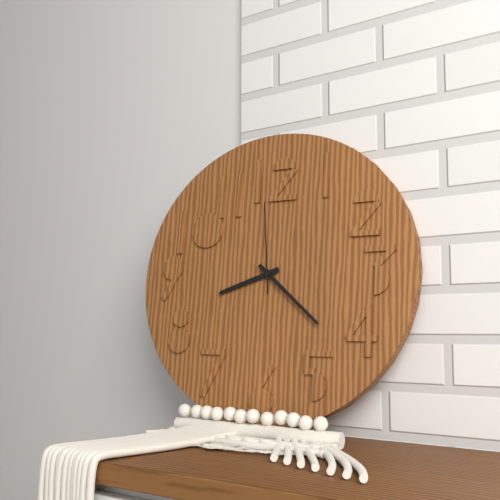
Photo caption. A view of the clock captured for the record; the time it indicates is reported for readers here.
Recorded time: 8:22:59
